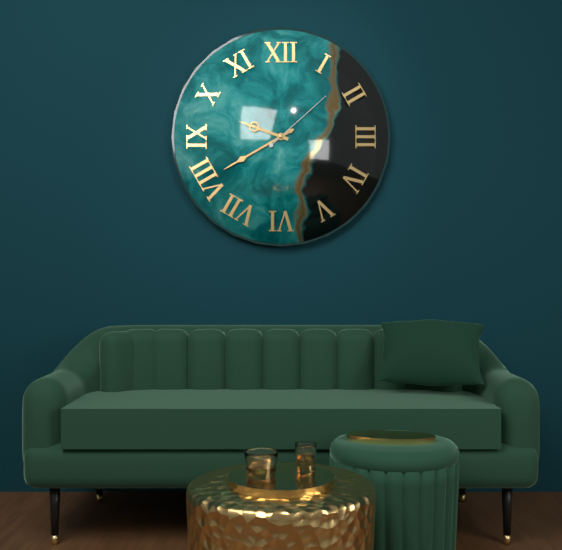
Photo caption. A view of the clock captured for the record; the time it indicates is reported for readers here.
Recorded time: 9:40:08
